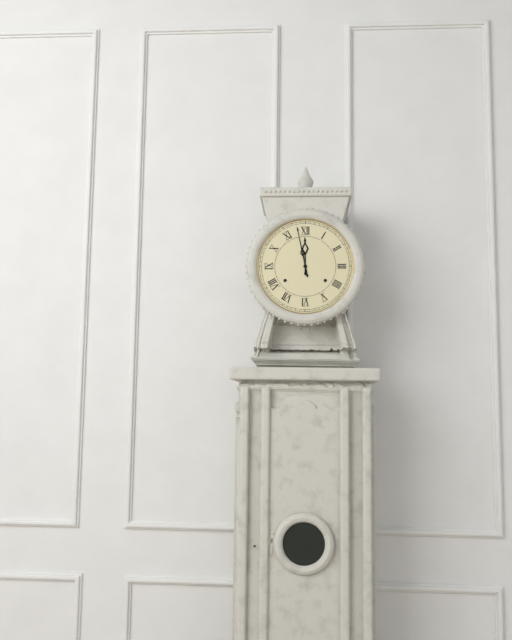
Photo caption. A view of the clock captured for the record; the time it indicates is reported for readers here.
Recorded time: 11:58
